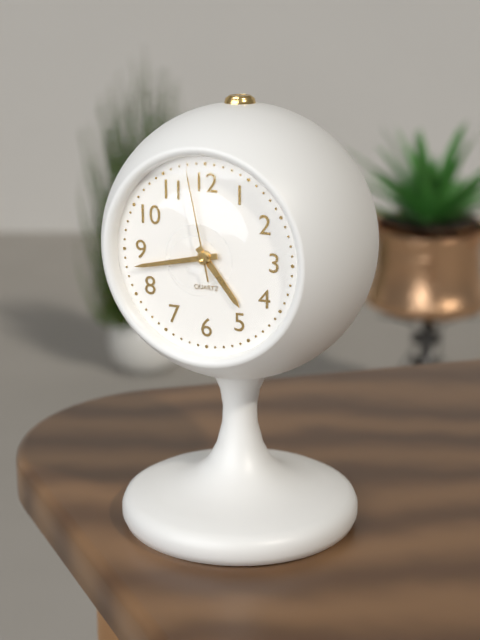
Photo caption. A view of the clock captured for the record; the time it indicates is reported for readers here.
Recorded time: 4:43:58
